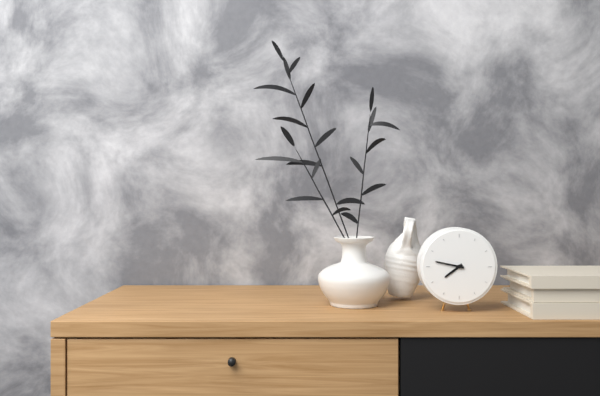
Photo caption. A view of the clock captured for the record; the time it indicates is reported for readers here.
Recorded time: 7:47
